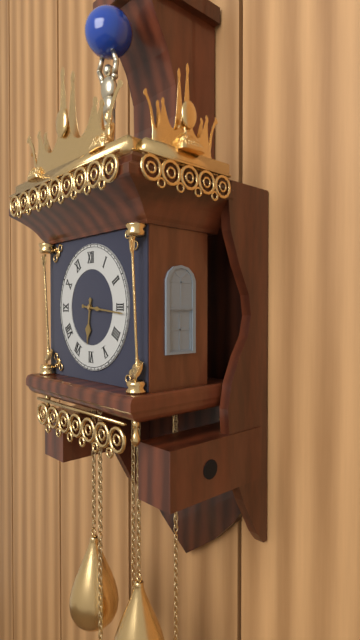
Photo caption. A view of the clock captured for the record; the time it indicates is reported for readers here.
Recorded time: 6:16
